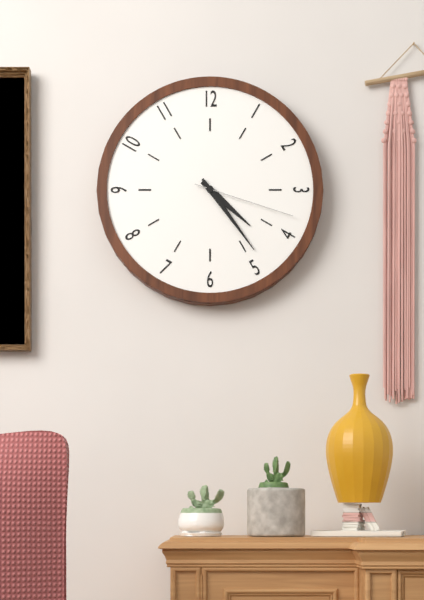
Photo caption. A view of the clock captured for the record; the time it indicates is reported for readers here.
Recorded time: 4:24:18
